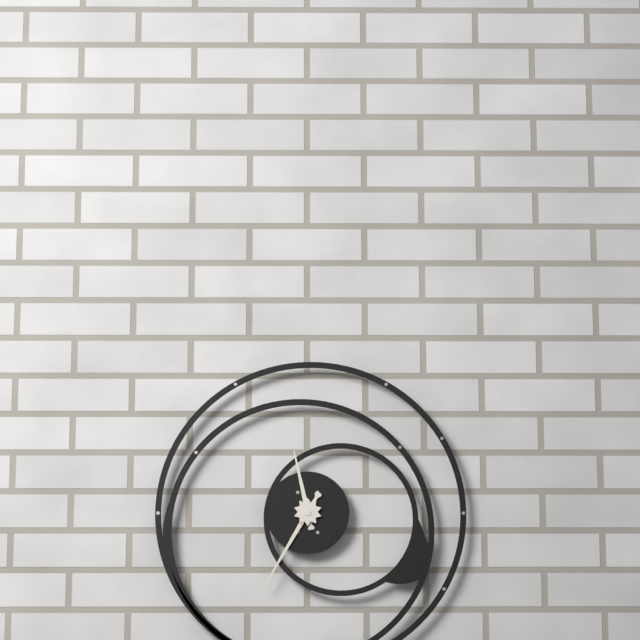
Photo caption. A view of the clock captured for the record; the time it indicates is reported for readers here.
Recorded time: 11:35
